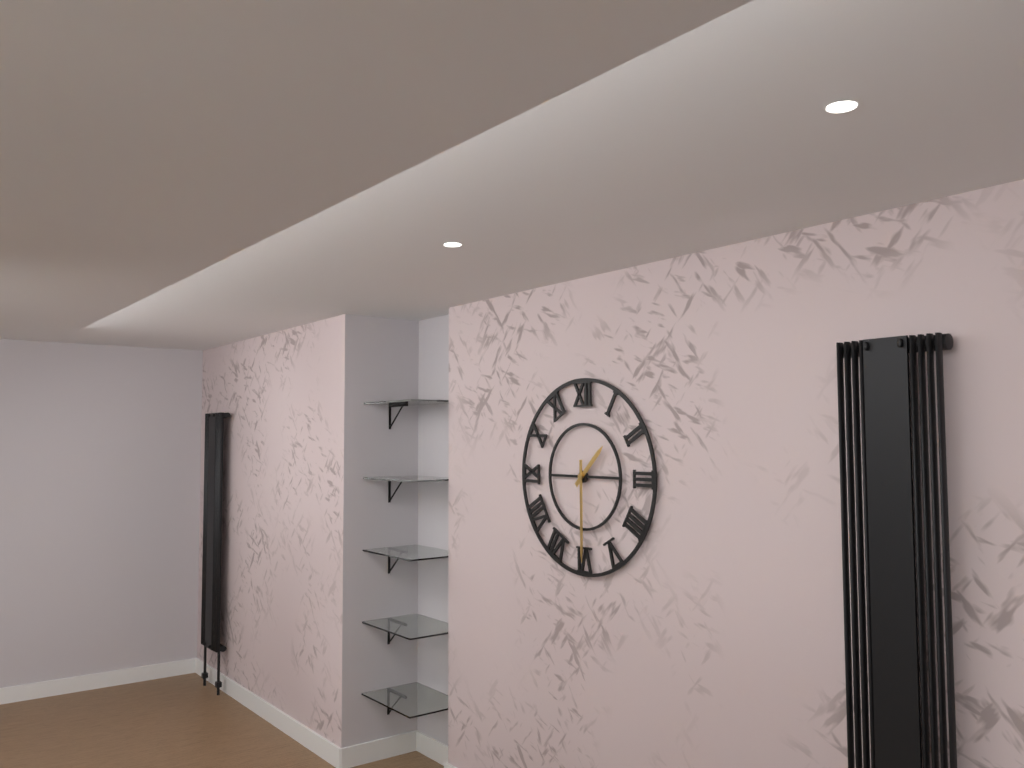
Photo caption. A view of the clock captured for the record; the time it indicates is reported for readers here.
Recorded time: 1:30
